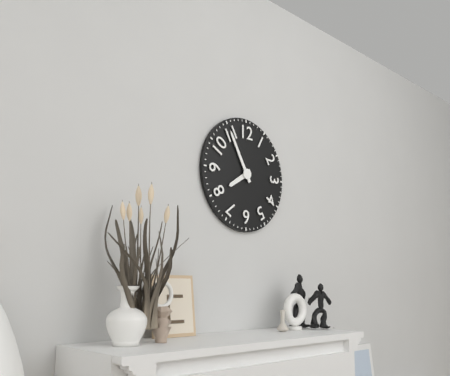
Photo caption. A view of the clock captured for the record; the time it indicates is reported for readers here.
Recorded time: 7:55
